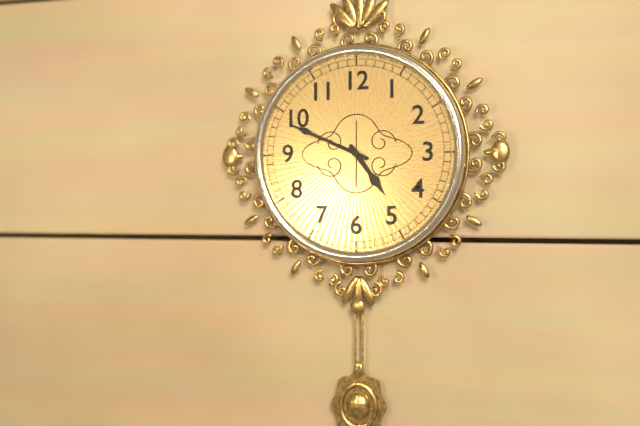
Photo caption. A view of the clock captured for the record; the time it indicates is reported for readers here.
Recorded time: 4:49
